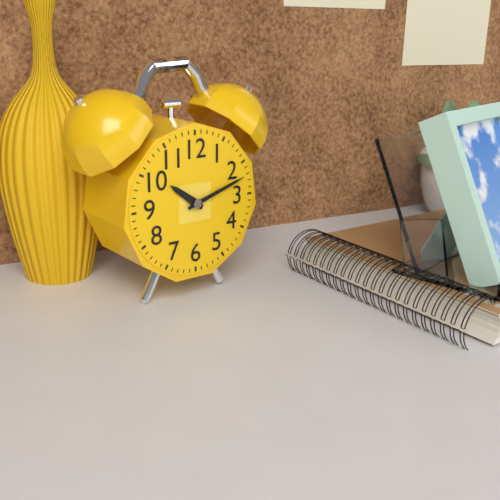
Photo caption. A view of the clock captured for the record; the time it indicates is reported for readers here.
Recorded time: 10:12
